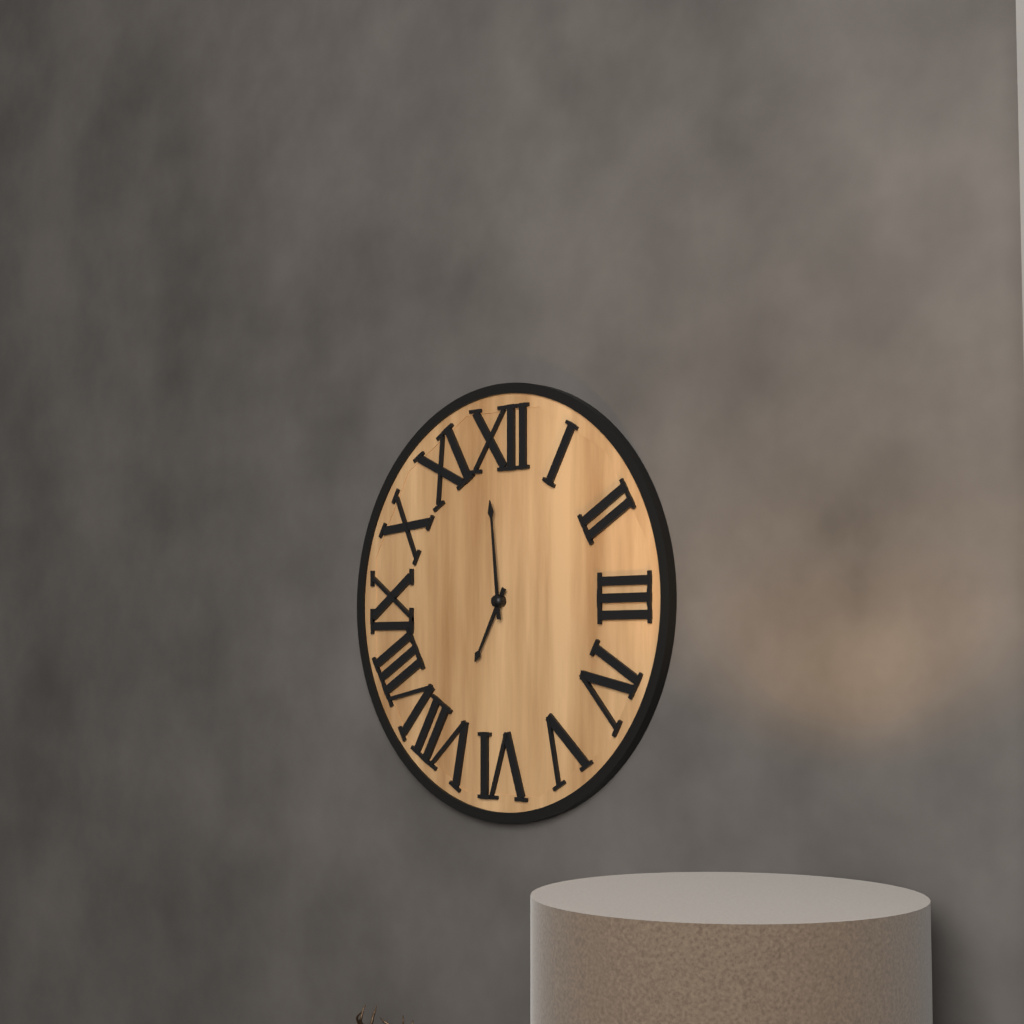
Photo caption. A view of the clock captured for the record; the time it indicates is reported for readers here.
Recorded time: 6:59
